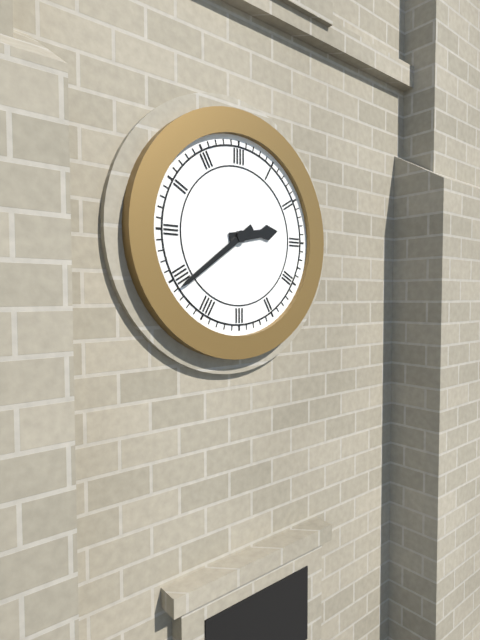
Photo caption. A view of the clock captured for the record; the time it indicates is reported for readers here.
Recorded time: 2:39
